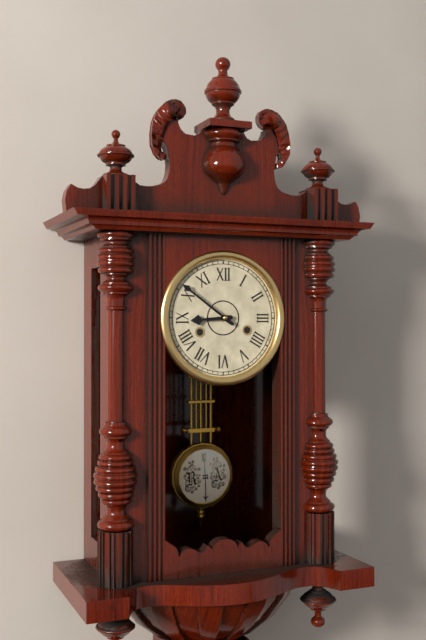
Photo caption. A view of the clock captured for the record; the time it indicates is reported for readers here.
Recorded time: 8:51
